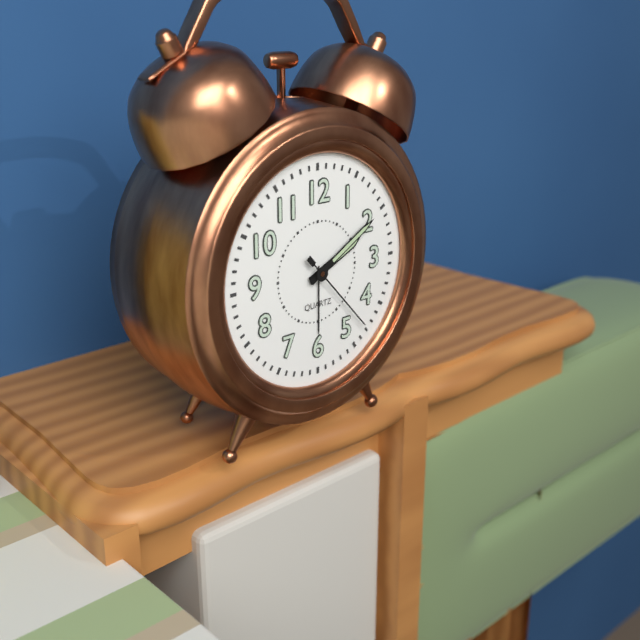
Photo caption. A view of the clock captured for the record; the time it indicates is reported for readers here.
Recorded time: 2:10:23
